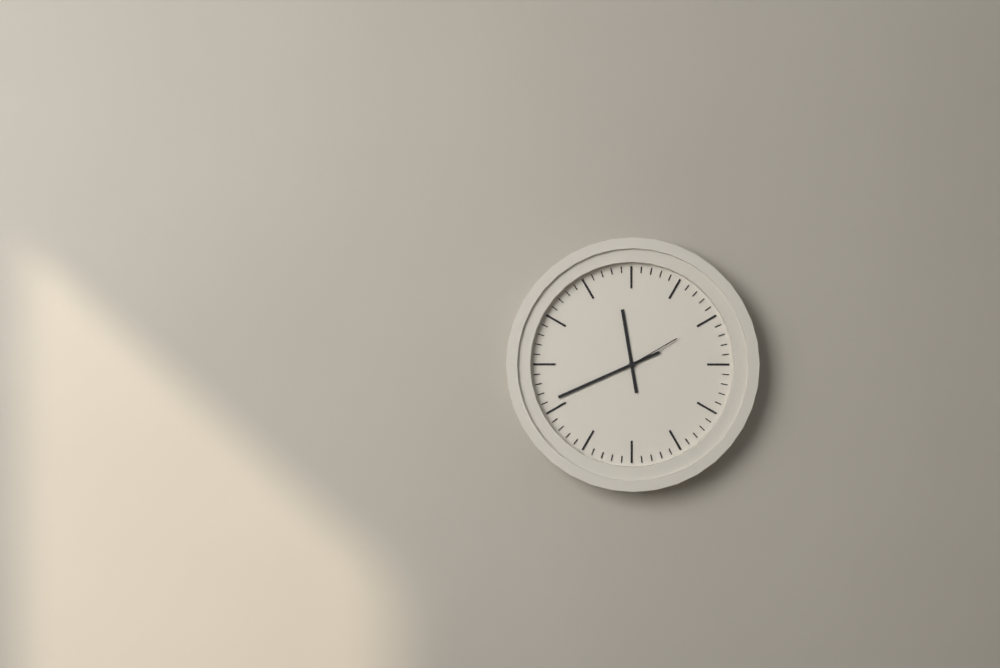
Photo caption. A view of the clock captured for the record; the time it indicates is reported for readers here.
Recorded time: 11:41:10
